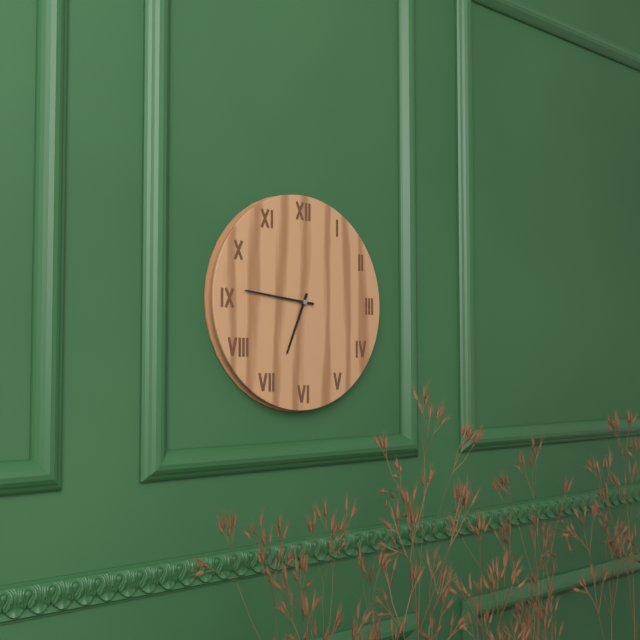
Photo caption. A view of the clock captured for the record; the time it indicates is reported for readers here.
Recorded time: 6:46
